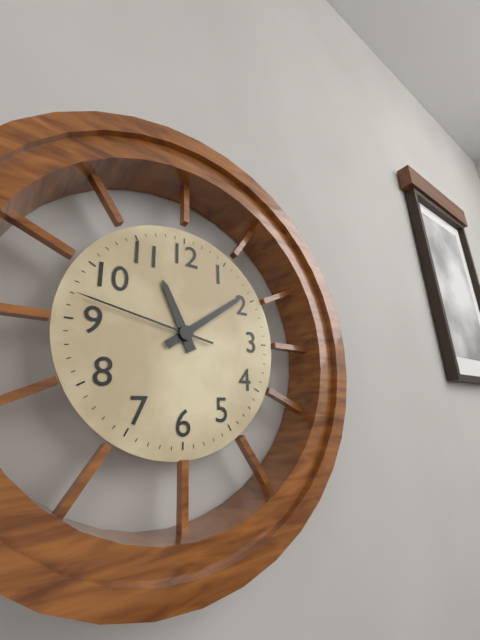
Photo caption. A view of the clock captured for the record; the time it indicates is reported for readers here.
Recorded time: 11:09:47
